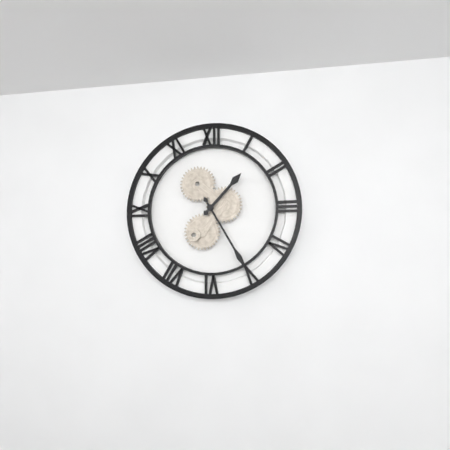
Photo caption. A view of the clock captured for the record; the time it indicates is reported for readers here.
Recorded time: 1:25
